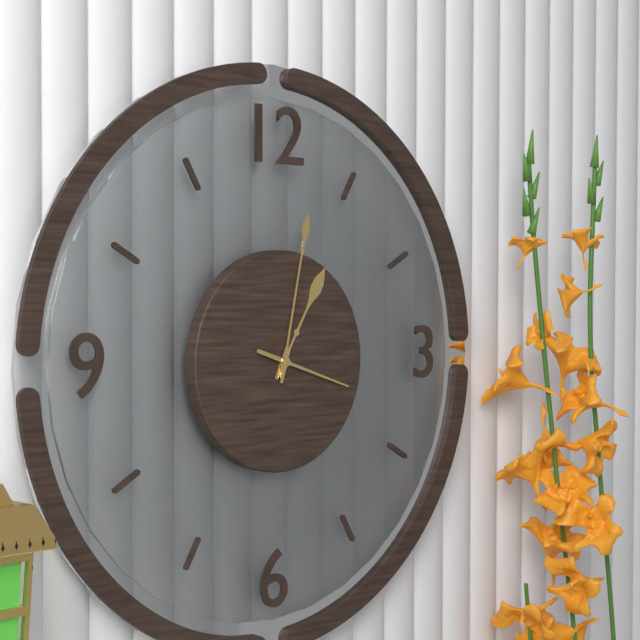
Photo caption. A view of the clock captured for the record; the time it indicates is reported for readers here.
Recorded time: 1:02:18
